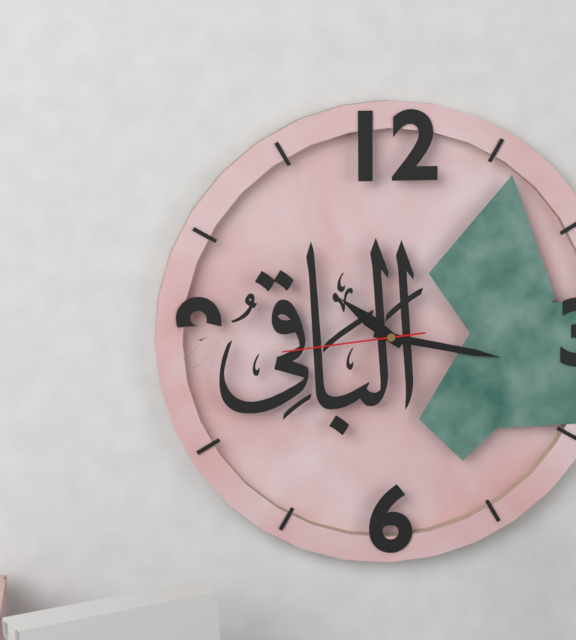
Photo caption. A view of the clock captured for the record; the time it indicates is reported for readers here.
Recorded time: 10:17:44
